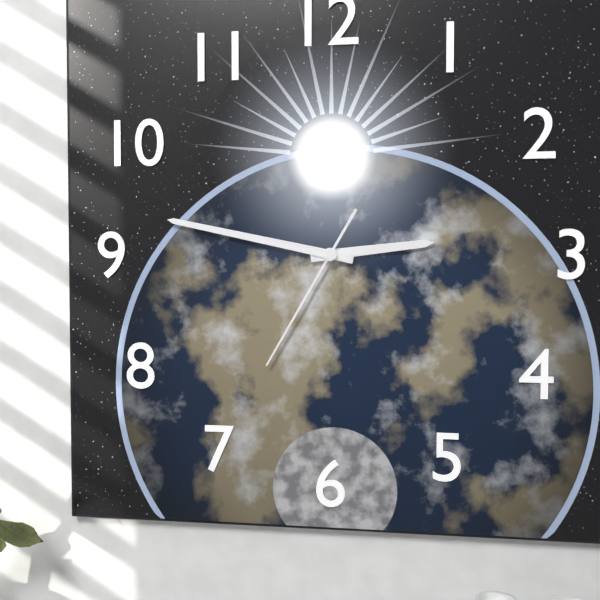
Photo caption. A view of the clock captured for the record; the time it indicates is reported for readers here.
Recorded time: 2:47:35
